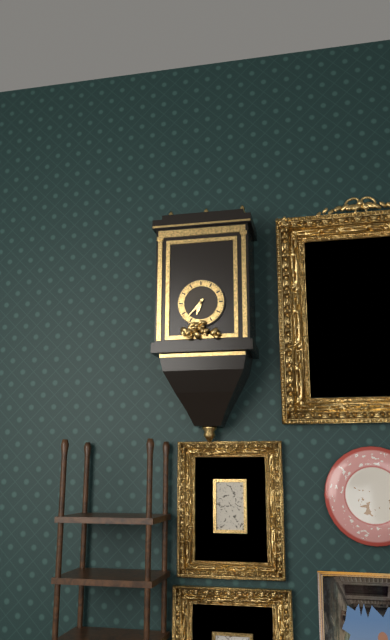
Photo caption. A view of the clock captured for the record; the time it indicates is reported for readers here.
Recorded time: 6:37
